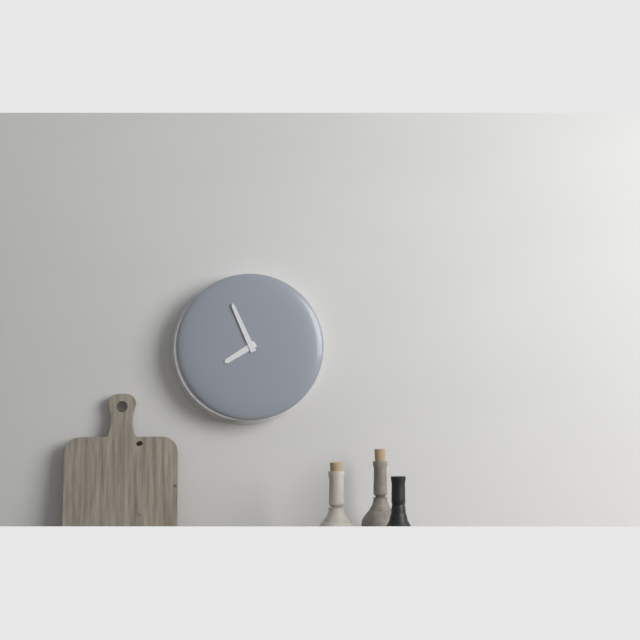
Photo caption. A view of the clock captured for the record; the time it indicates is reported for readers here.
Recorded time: 7:56
